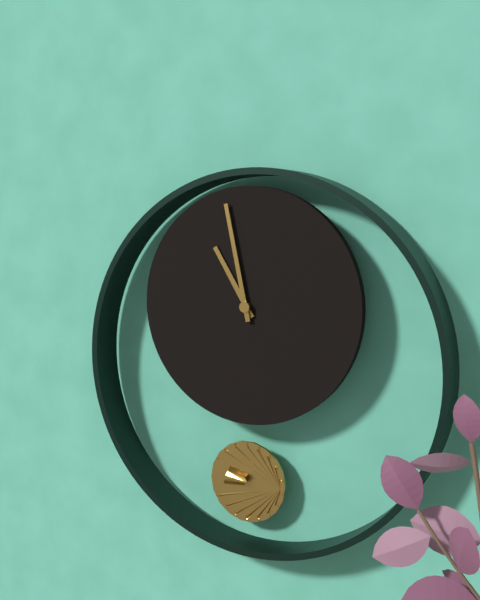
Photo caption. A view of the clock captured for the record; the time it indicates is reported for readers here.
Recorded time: 10:58
